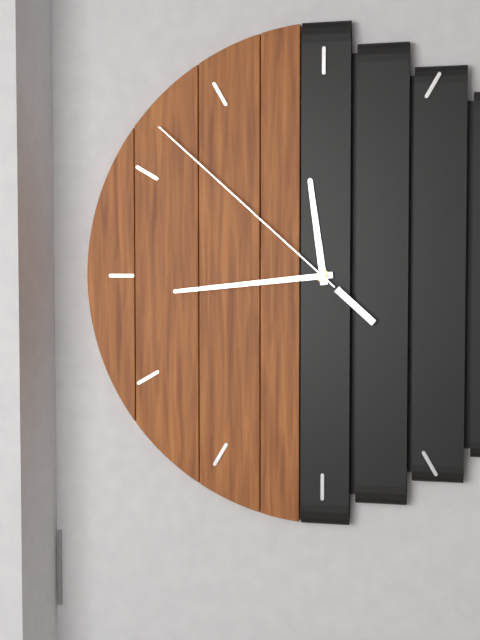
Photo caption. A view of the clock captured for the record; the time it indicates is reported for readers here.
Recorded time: 11:44:52
